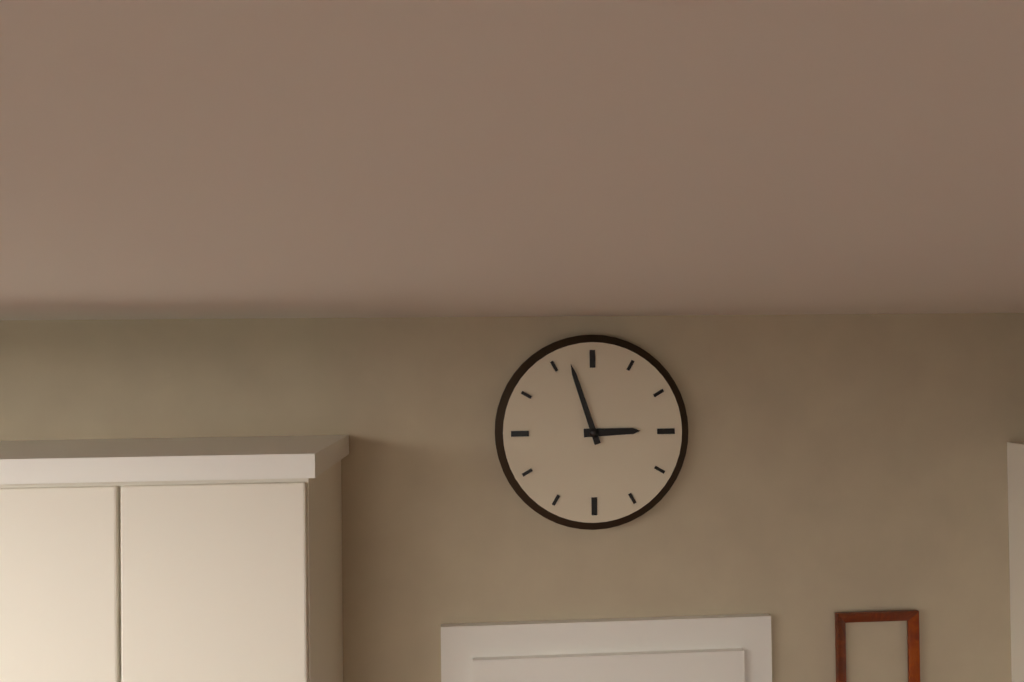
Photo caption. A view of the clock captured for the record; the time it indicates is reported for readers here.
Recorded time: 2:57
